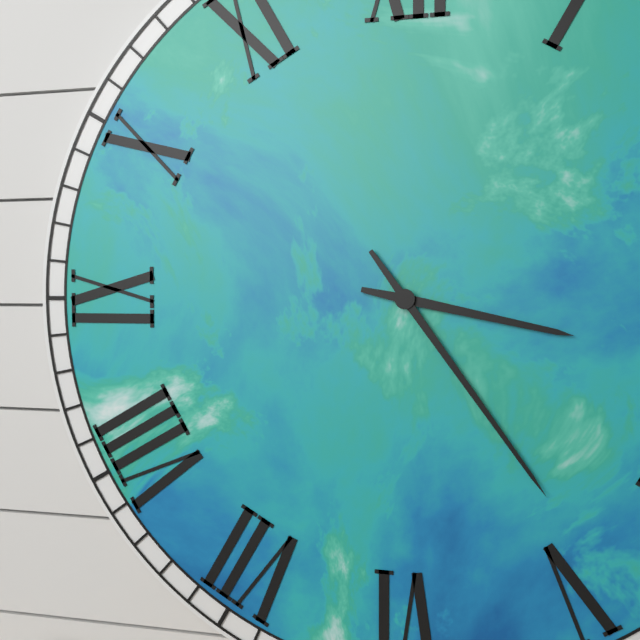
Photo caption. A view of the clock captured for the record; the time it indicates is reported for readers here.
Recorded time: 3:24
